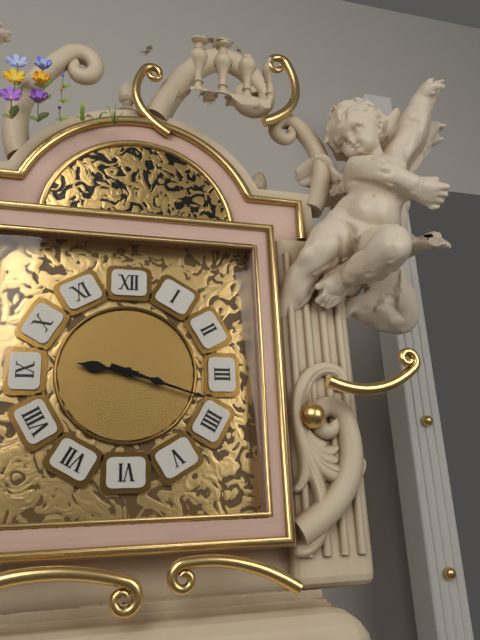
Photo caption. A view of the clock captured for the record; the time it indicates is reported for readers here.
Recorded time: 9:18
